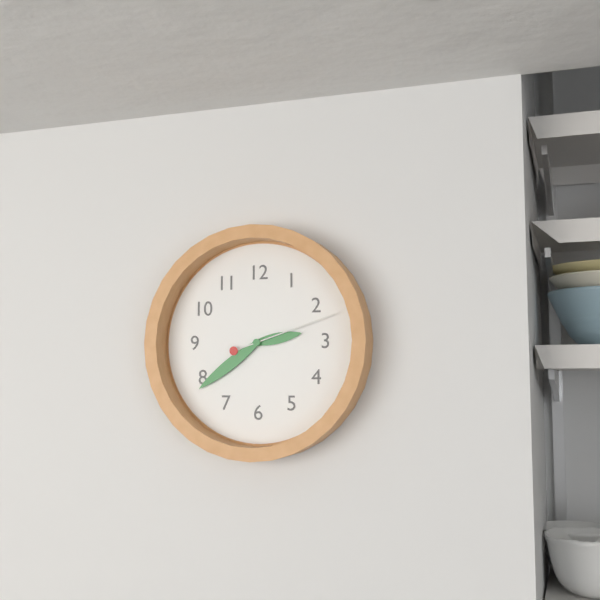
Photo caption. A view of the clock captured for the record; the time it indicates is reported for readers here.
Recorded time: 2:39:12
